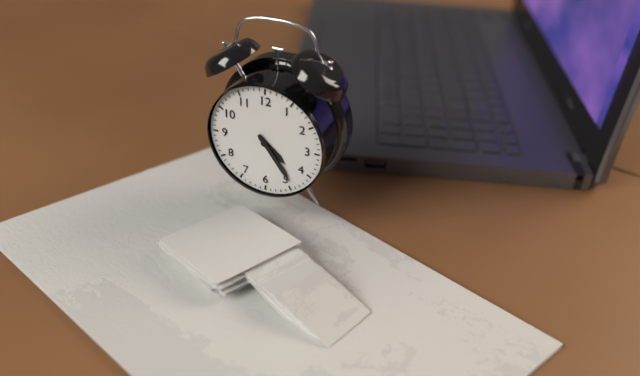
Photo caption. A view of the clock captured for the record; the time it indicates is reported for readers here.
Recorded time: 4:24
